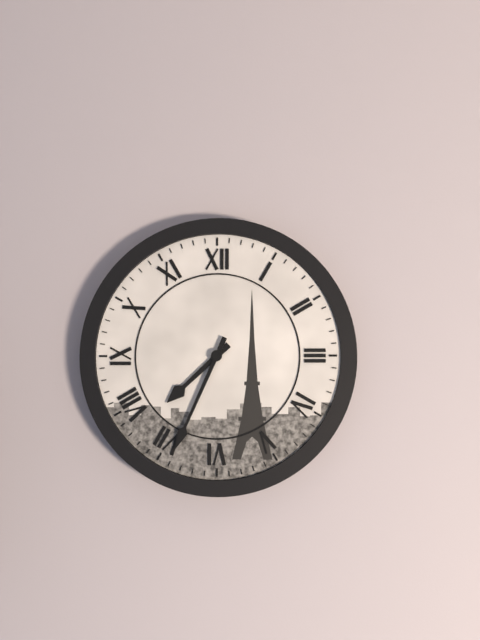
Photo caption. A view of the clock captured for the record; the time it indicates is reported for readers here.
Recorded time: 7:34
